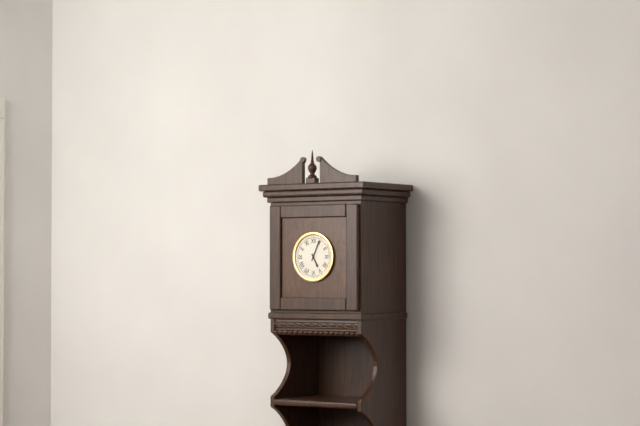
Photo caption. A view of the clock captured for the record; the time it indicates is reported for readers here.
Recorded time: 5:04
